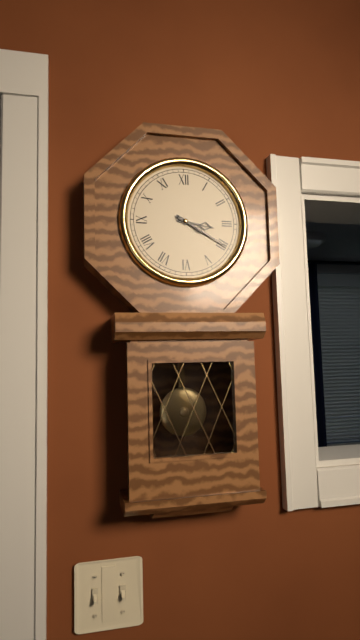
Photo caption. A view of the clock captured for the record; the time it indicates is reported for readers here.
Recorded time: 3:20
